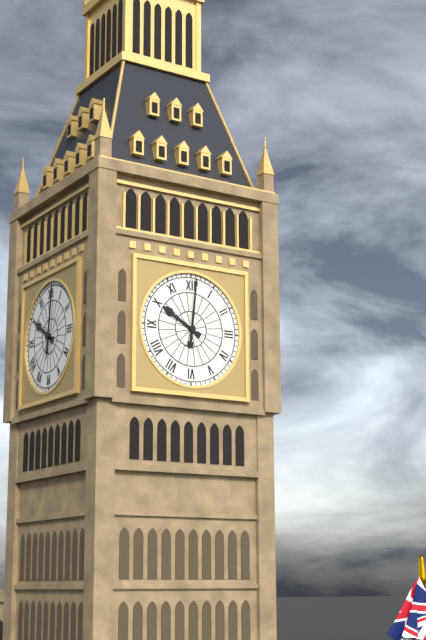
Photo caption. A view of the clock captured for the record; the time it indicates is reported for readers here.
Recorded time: 10:01
